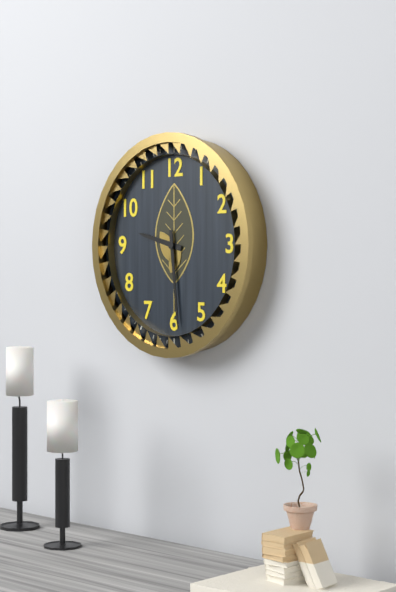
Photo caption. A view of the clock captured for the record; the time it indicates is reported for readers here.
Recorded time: 9:29
